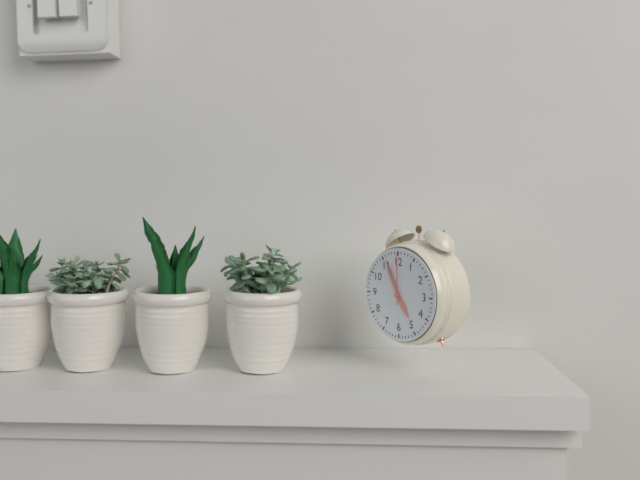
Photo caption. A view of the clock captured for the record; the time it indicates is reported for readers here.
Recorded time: 4:56:00
